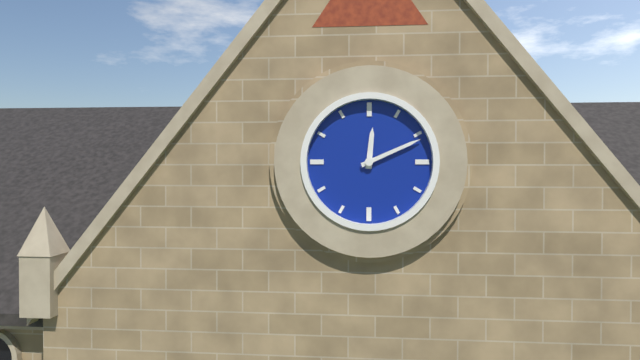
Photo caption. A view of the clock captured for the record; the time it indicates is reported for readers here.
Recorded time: 12:11
